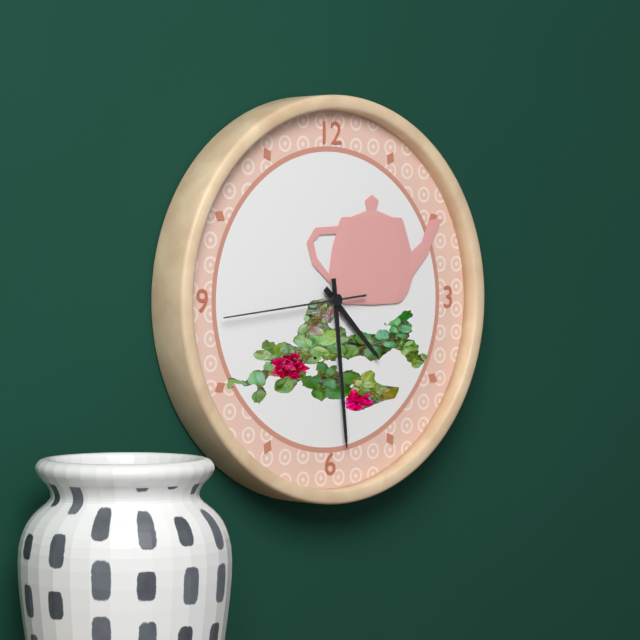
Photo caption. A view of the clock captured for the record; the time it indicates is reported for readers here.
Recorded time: 4:29:44
